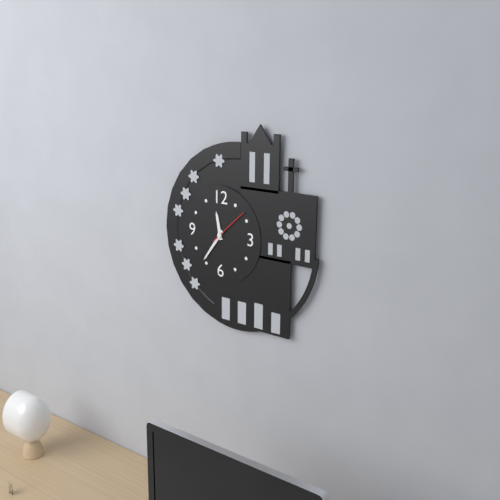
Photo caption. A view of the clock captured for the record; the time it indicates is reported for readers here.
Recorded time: 11:36
